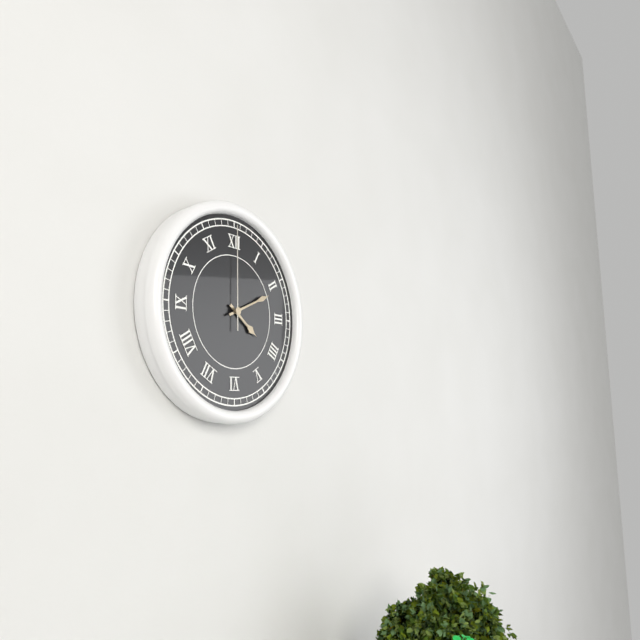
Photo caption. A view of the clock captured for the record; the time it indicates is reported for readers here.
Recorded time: 4:11:00
